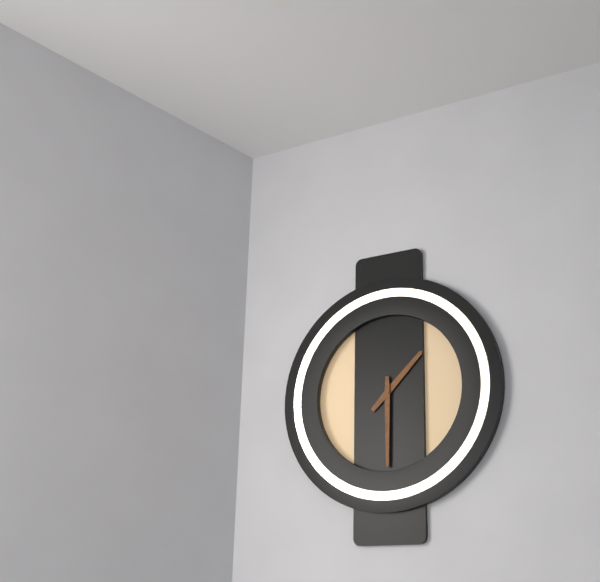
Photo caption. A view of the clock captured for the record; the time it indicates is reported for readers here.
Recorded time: 1:30
